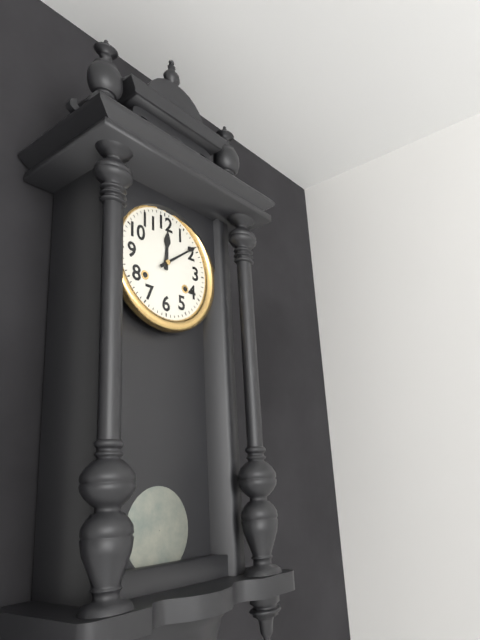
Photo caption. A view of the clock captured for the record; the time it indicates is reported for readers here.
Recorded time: 12:09
